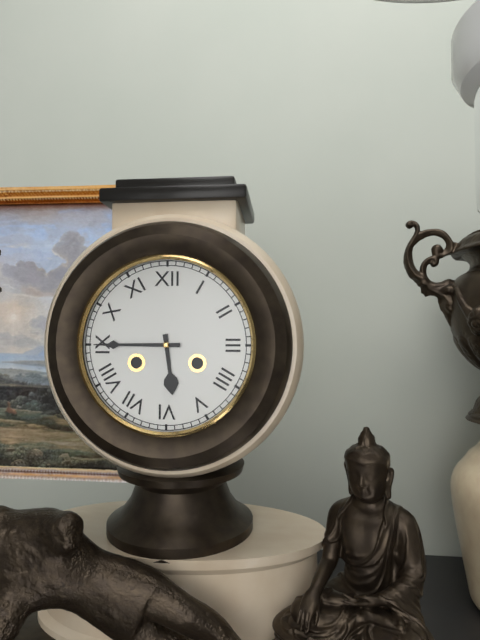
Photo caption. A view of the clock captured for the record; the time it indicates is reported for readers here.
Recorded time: 5:45
